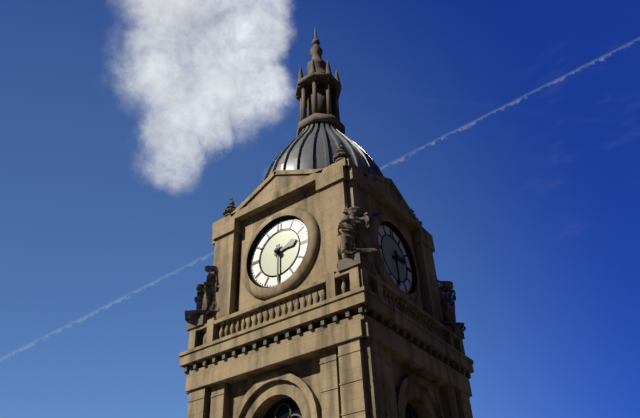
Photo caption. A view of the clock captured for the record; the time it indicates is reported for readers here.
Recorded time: 2:30
